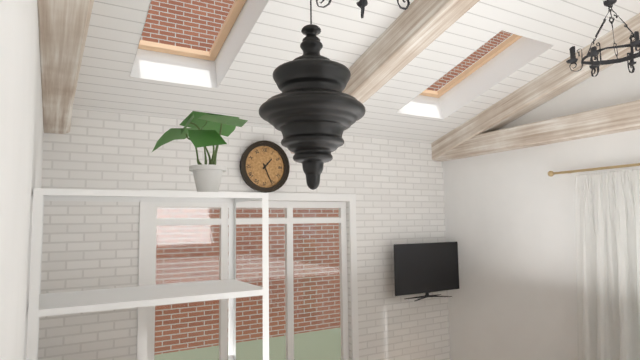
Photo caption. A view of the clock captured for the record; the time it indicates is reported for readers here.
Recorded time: 1:26
